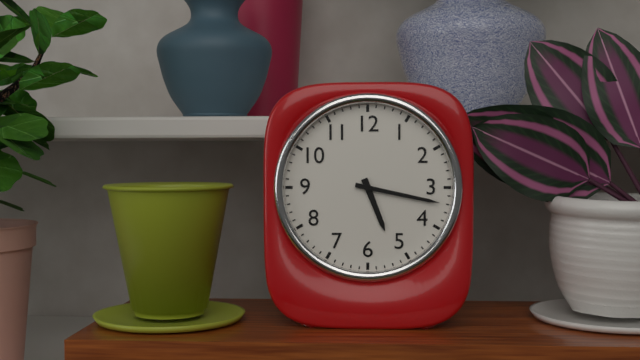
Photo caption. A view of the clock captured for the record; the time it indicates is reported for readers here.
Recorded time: 5:17
